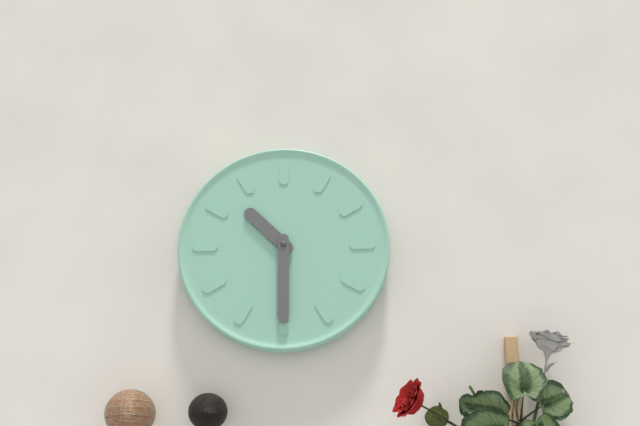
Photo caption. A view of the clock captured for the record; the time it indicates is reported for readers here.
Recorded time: 10:30
